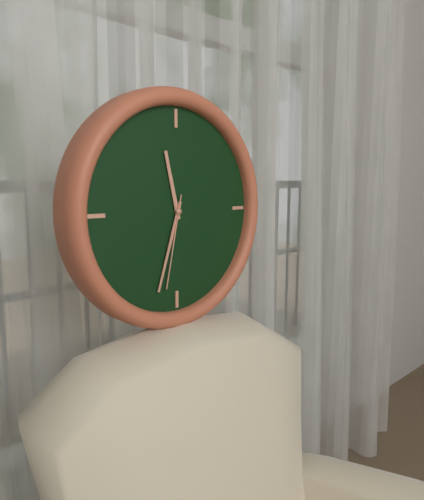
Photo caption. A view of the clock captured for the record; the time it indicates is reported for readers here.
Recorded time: 11:33:32
